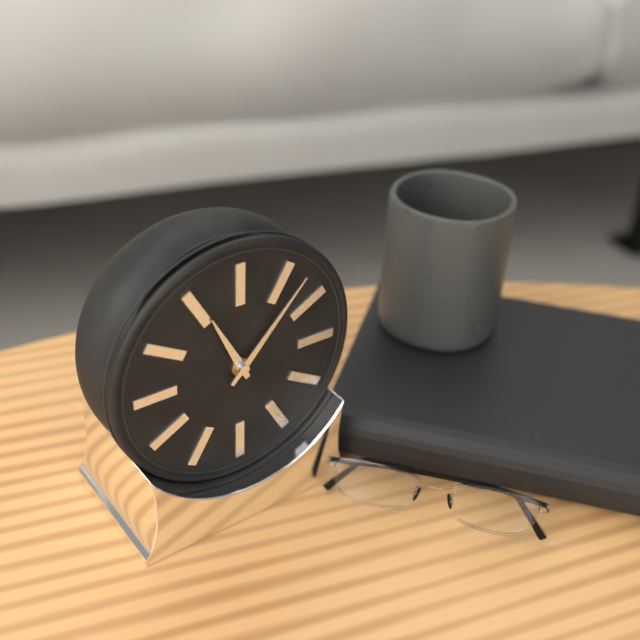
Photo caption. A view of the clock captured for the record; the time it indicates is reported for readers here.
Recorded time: 11:07
